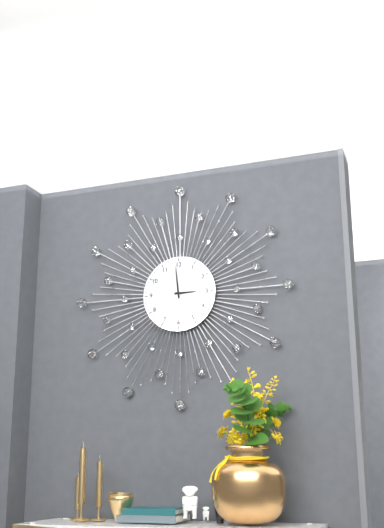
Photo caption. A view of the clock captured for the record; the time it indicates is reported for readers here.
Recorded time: 2:59
